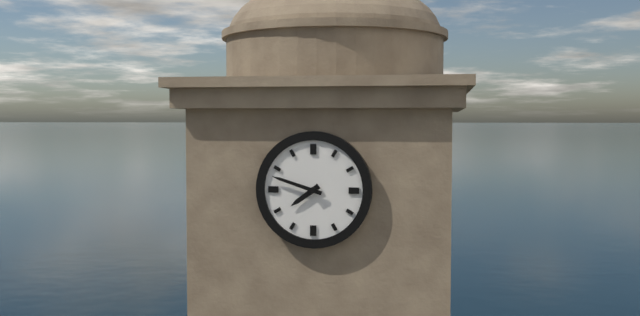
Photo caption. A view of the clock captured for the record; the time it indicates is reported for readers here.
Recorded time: 7:48
